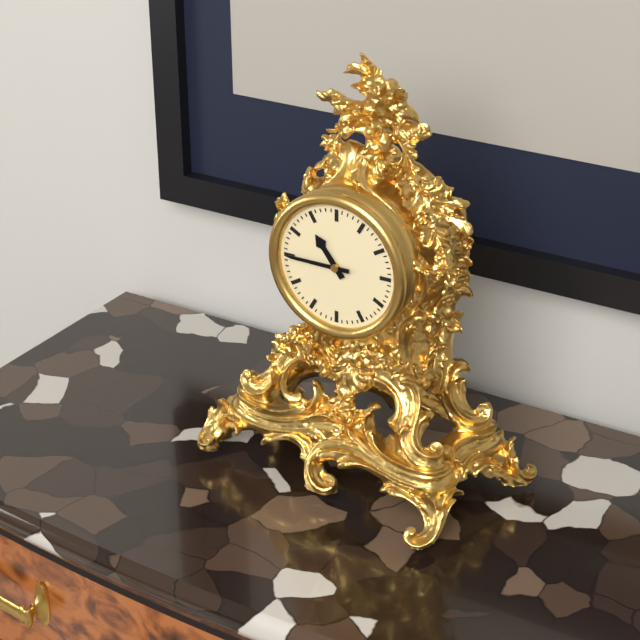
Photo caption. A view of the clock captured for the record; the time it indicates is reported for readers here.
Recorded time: 10:45
